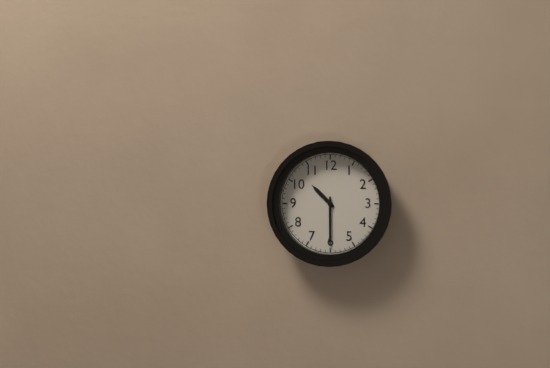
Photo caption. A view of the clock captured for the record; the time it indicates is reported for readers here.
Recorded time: 10:30
